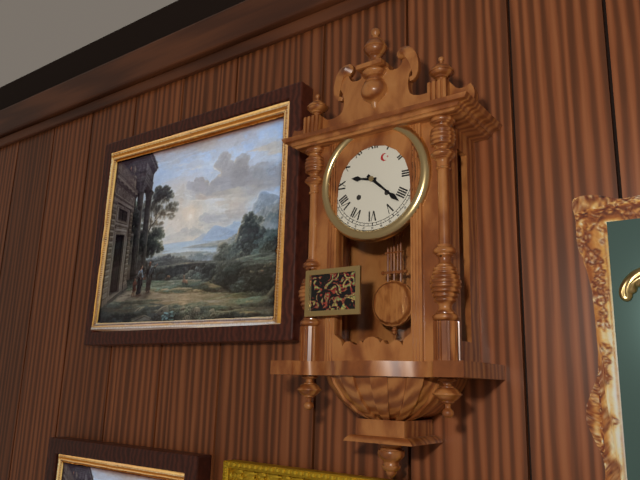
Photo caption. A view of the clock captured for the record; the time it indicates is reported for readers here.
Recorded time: 9:22
